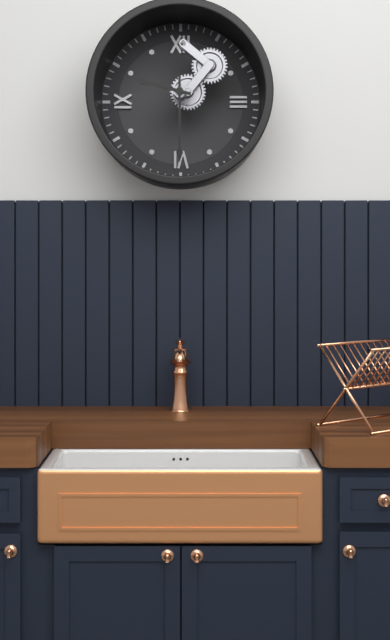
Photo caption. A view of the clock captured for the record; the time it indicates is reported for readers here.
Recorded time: 9:30
